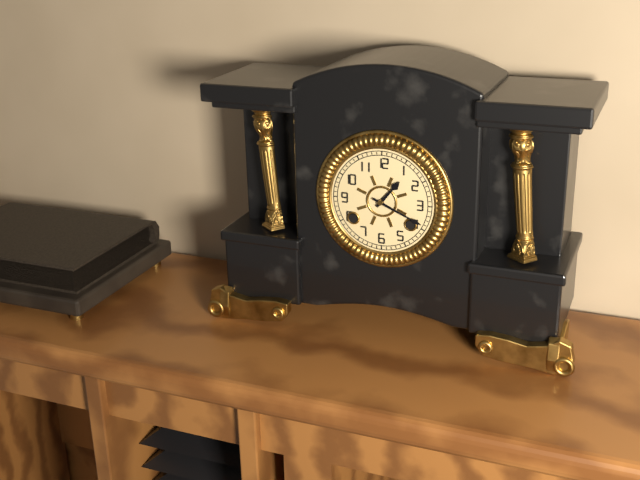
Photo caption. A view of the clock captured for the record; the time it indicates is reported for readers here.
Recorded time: 1:19
